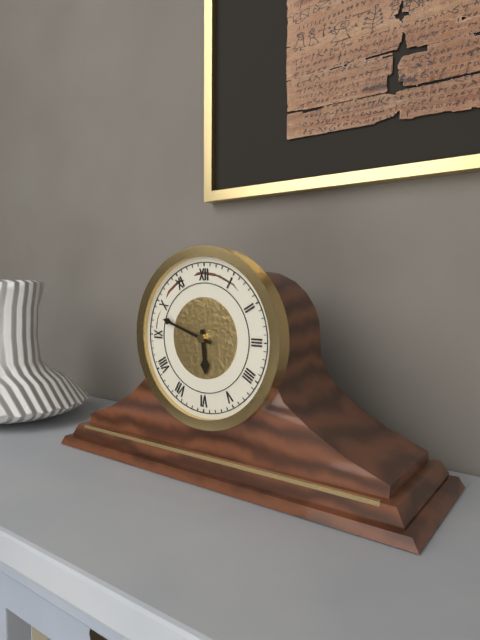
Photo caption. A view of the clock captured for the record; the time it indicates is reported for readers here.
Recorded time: 5:48
